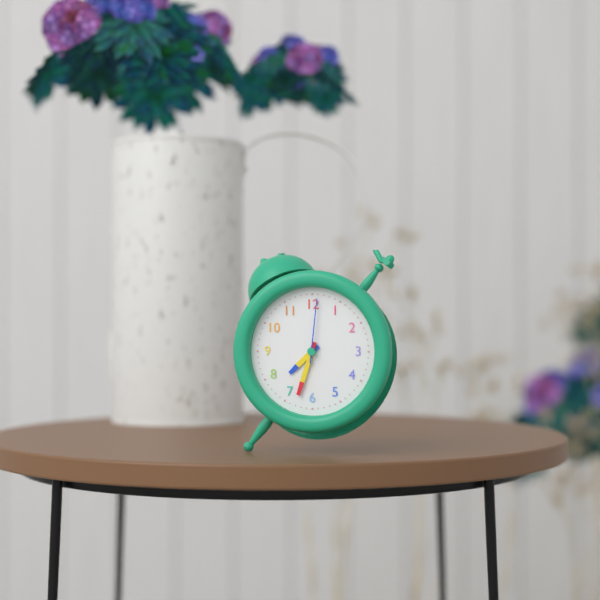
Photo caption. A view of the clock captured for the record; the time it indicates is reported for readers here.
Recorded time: 7:33:01
